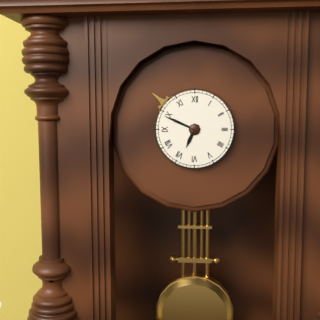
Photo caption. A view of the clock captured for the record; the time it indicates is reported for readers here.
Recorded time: 6:49
